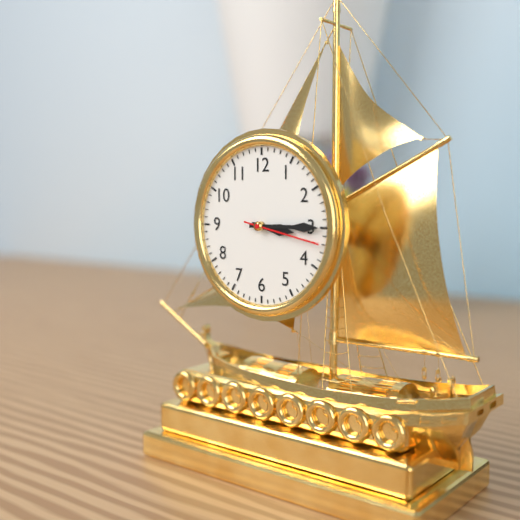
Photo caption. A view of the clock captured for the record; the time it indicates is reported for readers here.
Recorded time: 3:15:17
